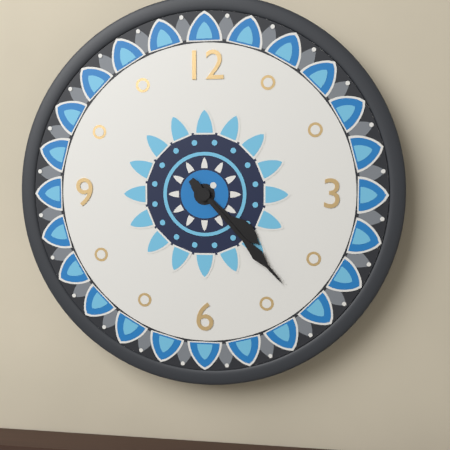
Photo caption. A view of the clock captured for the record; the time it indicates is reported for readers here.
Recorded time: 4:23
